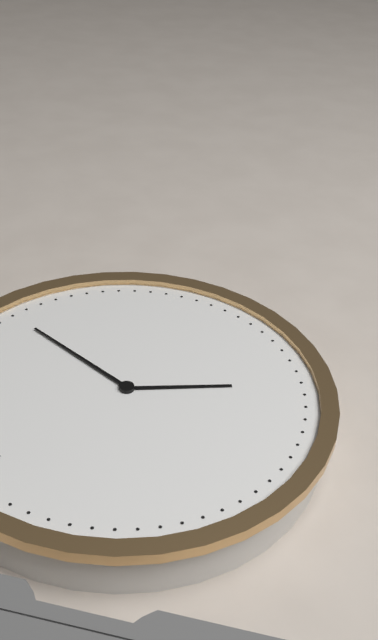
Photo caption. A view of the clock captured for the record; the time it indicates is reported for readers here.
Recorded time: 7:14
